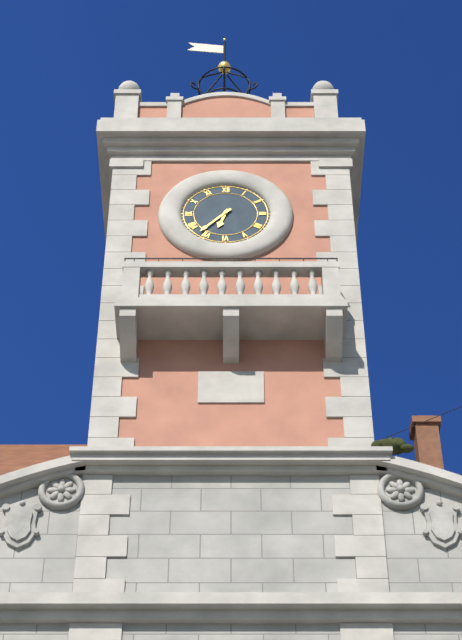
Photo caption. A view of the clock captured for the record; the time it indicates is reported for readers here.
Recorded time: 6:37
